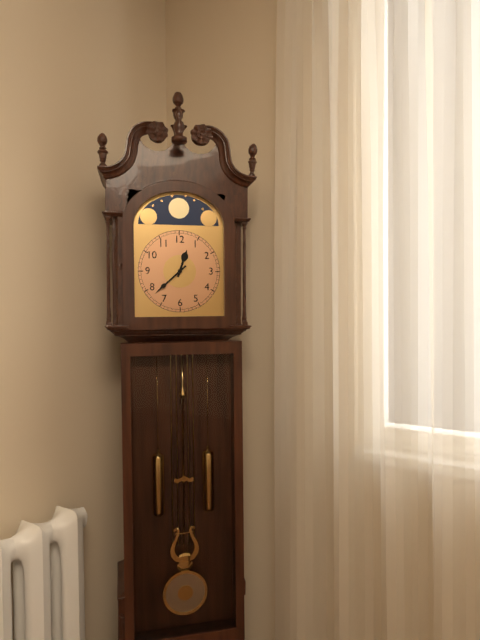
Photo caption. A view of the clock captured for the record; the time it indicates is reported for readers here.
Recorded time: 12:38
